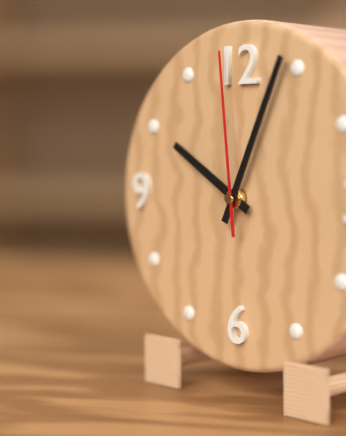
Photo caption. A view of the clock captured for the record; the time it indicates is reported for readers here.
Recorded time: 10:04:59
